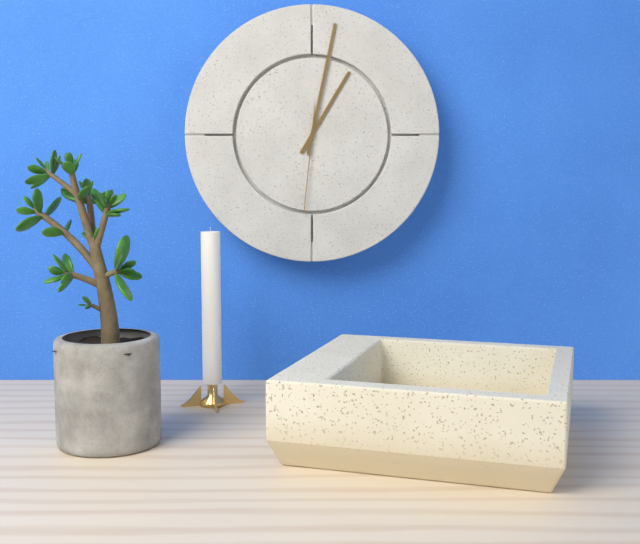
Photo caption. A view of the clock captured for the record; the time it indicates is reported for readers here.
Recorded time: 1:02:31
